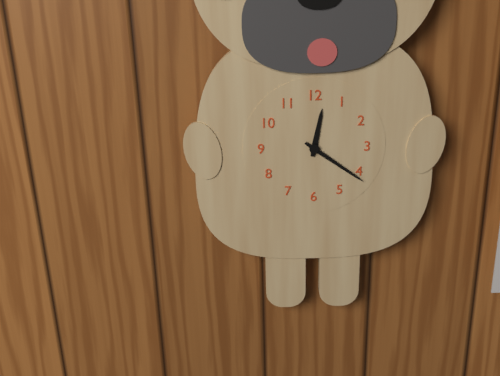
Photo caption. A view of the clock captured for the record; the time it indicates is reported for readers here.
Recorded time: 12:21
